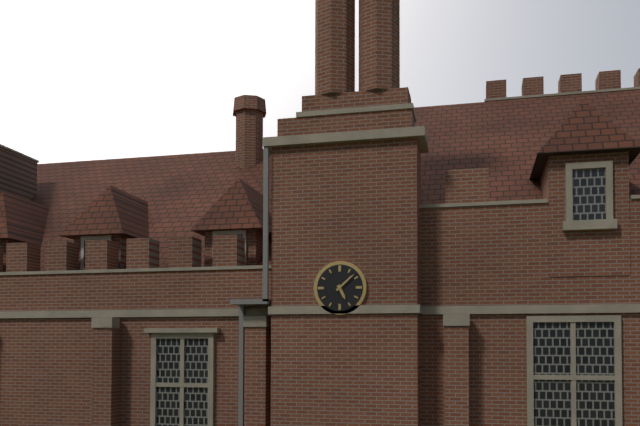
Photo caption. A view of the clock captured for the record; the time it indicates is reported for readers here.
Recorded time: 5:08
